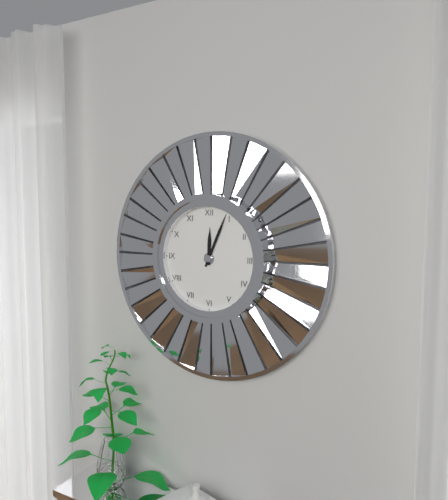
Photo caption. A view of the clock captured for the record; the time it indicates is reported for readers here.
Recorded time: 12:04
